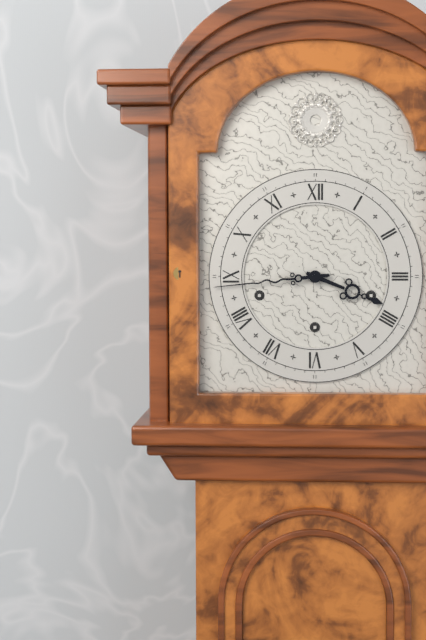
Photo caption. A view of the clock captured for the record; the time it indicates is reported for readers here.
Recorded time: 3:44
